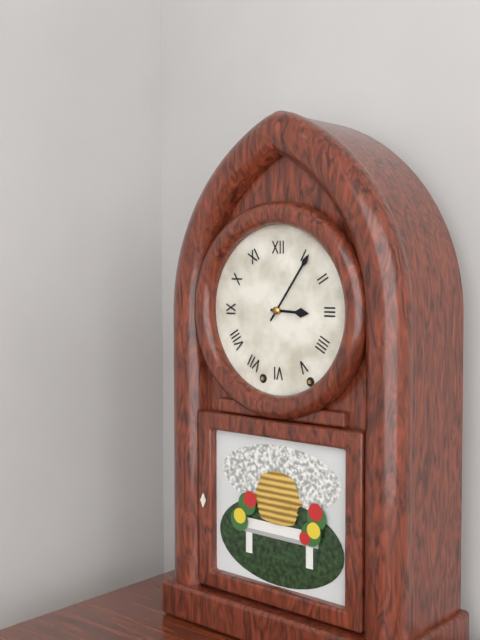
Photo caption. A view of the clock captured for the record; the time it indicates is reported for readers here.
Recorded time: 3:06
